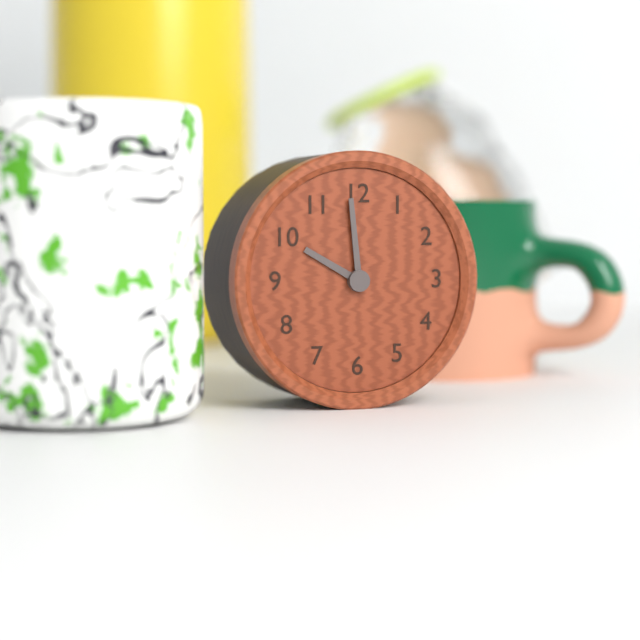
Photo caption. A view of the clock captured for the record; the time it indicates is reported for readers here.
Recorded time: 9:59
